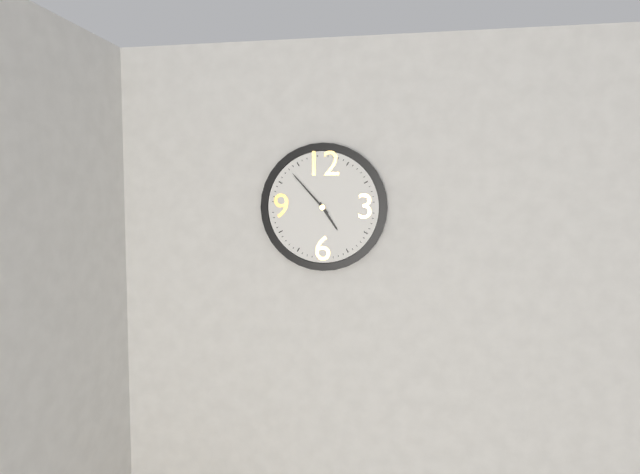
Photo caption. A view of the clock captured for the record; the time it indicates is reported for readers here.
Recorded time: 4:53
